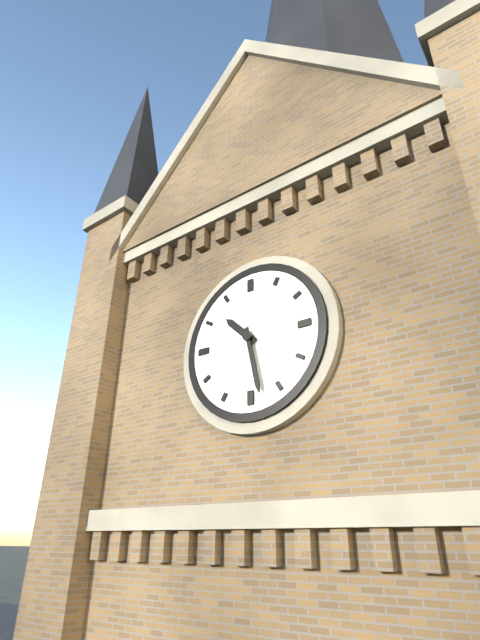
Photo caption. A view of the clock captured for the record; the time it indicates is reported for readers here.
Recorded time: 10:28
